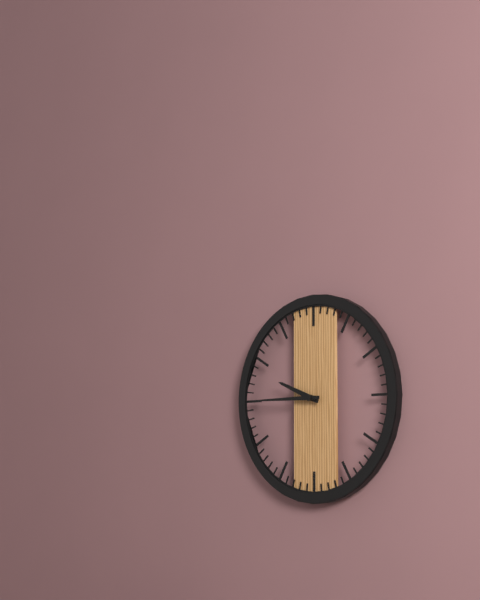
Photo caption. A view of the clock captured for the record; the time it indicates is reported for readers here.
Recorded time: 9:45
